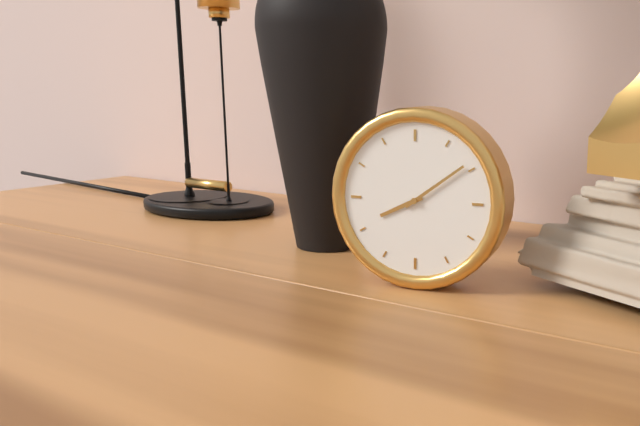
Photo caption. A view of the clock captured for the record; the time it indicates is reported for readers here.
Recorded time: 8:09
